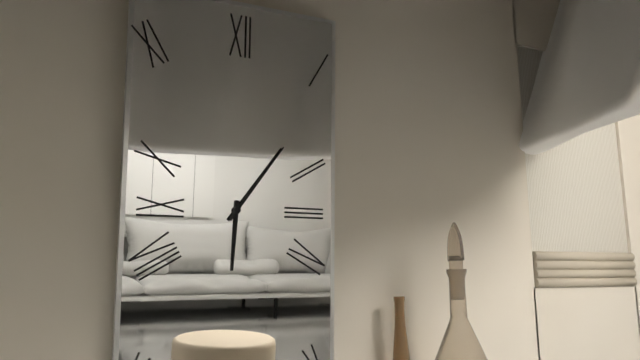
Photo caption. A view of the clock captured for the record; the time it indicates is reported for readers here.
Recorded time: 6:06
